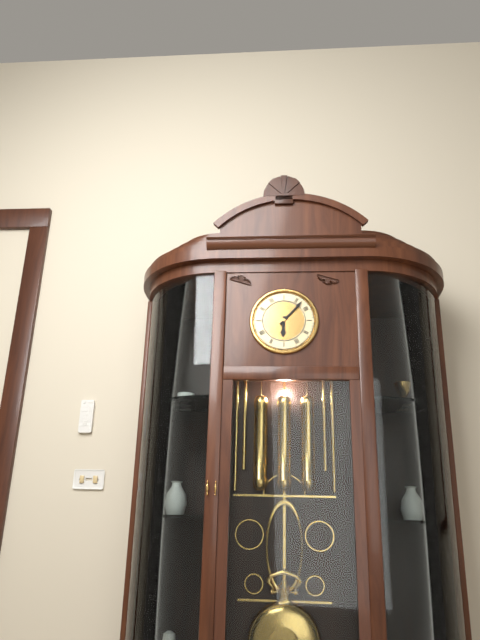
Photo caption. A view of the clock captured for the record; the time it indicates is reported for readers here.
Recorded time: 6:07
